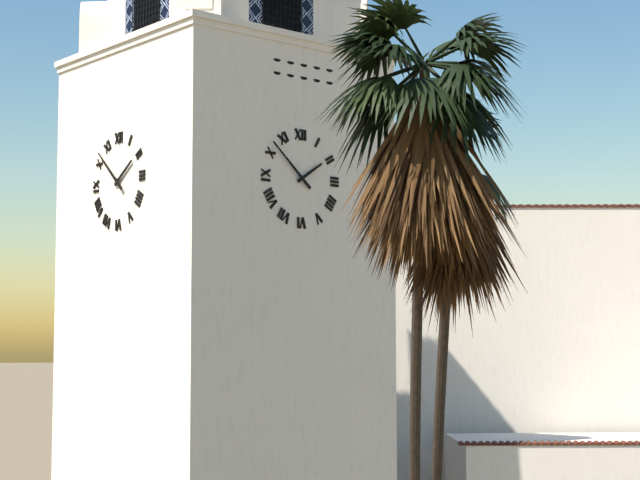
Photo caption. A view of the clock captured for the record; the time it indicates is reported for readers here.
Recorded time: 1:52
